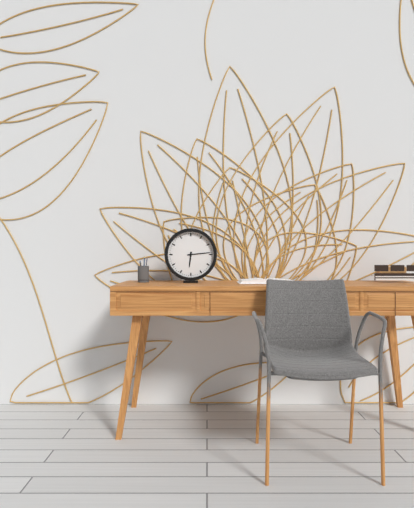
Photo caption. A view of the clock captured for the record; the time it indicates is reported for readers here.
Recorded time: 6:14
